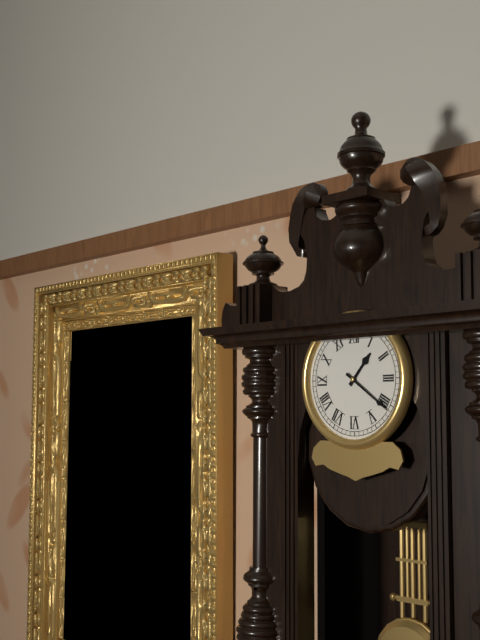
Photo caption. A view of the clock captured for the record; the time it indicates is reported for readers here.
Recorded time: 1:21
